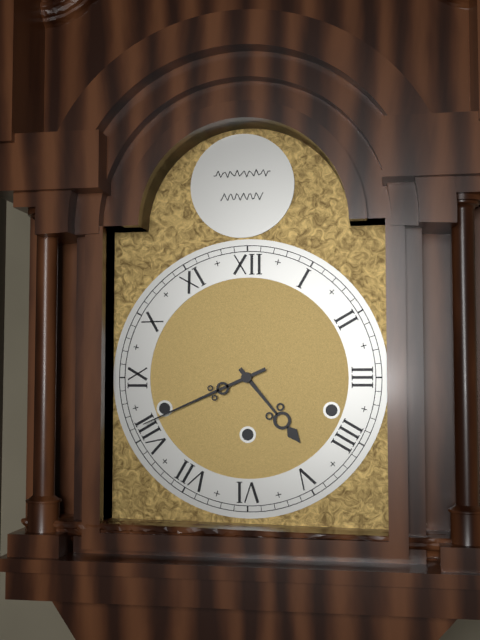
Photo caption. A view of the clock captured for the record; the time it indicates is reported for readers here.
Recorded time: 4:41
